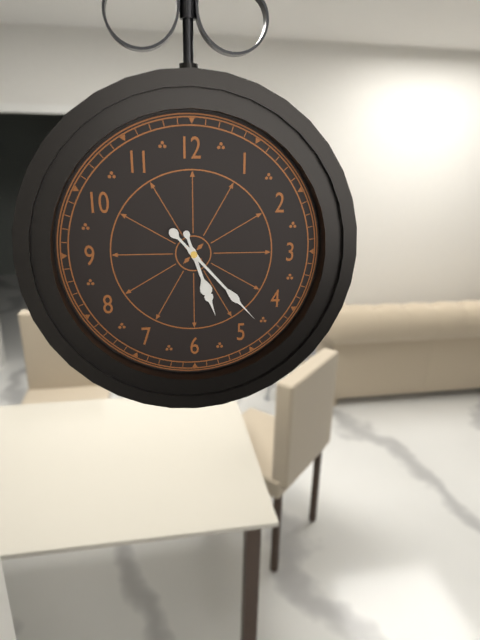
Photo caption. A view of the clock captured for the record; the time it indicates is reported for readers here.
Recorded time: 5:23
